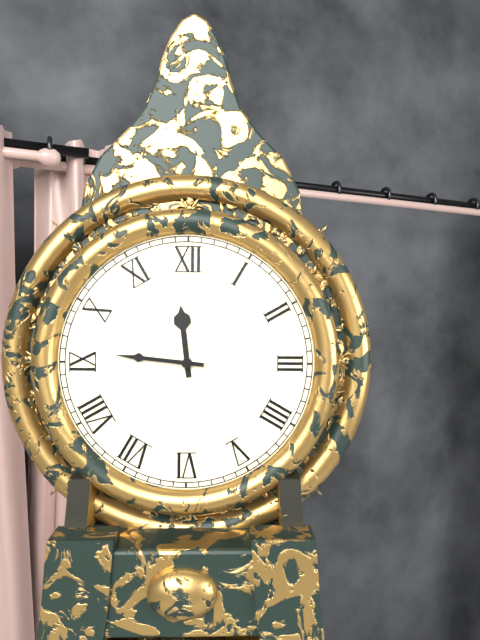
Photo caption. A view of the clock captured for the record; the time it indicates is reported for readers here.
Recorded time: 11:46
